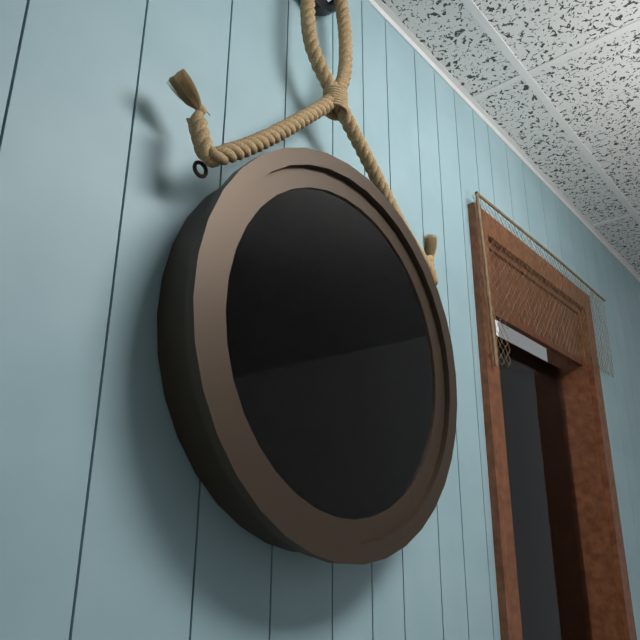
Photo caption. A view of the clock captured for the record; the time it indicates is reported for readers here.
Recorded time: 7:57
